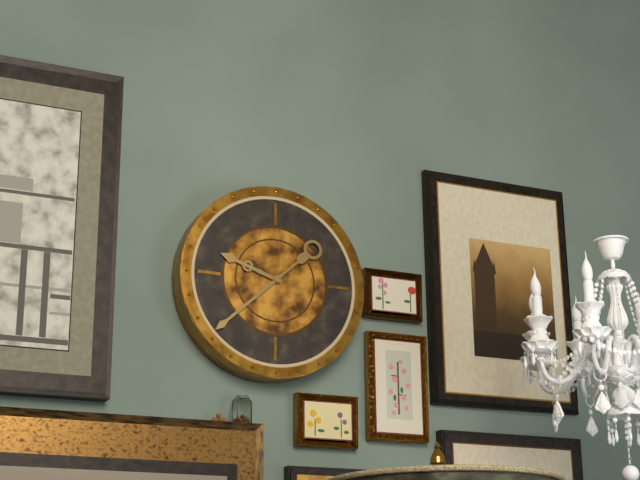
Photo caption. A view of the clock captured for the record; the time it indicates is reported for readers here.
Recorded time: 9:38
